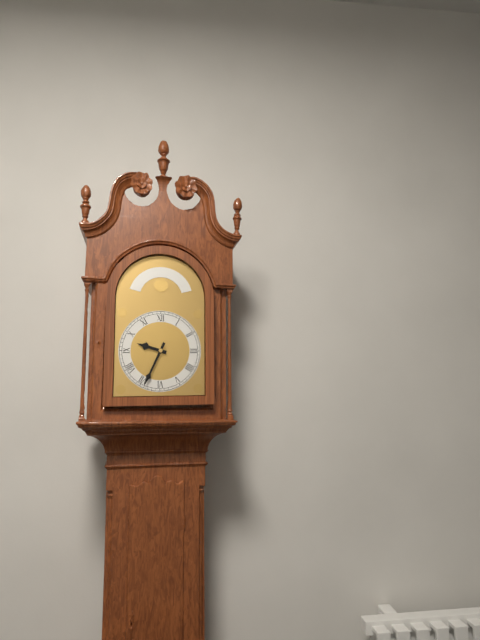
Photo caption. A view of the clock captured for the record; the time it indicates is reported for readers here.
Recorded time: 9:34
